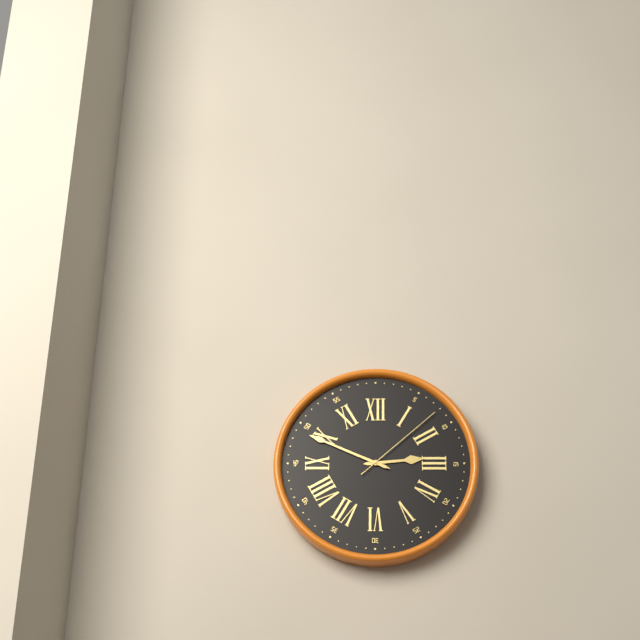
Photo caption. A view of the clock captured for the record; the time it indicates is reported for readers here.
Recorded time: 2:49:08
